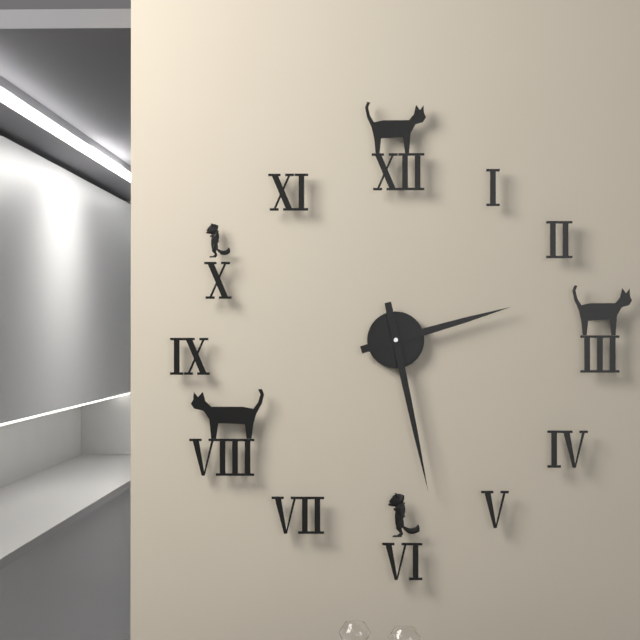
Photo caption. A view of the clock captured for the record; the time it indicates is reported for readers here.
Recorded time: 2:28
